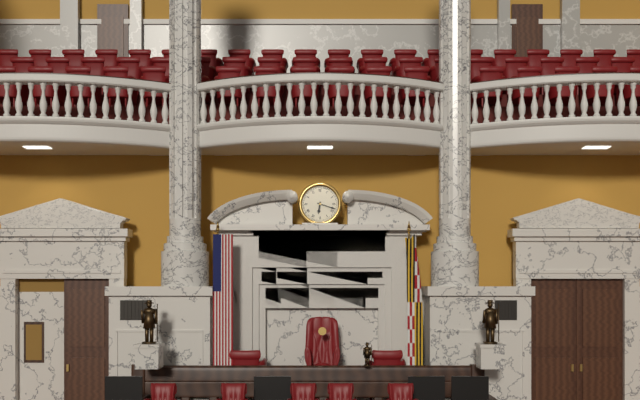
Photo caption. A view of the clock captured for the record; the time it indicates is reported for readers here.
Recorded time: 6:18
